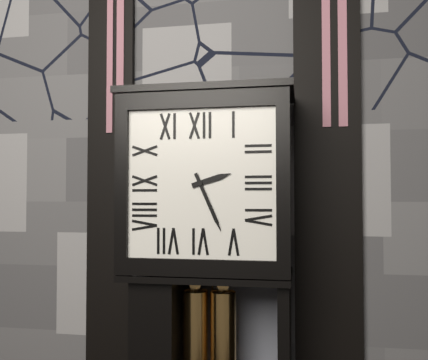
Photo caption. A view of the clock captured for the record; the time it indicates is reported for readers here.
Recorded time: 2:26
